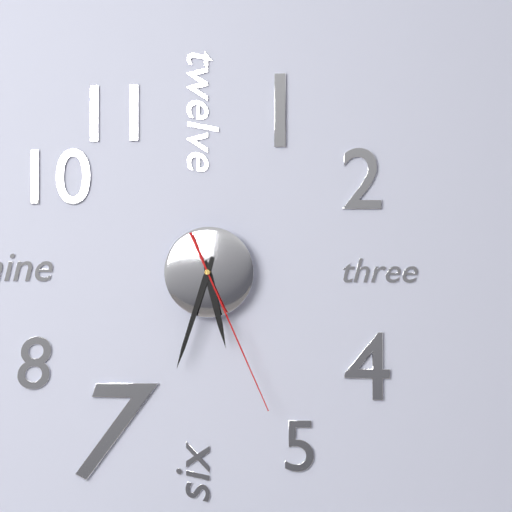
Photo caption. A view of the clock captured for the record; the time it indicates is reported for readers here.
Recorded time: 5:33:26
